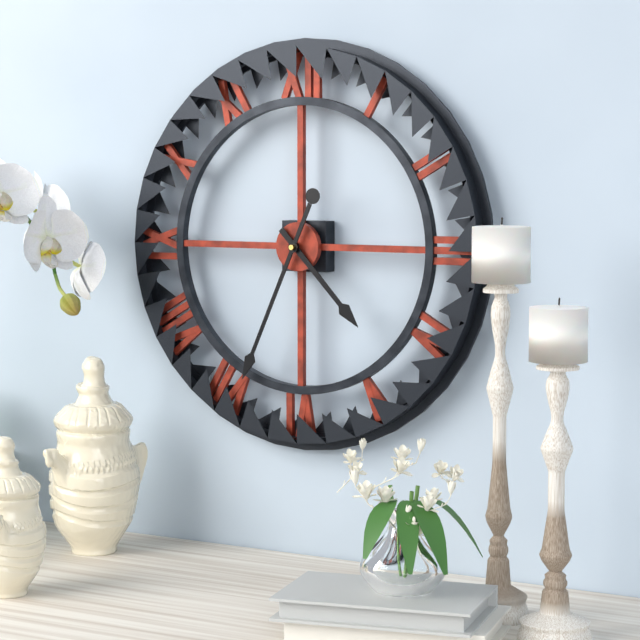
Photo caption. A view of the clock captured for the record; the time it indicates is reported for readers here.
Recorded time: 4:34
